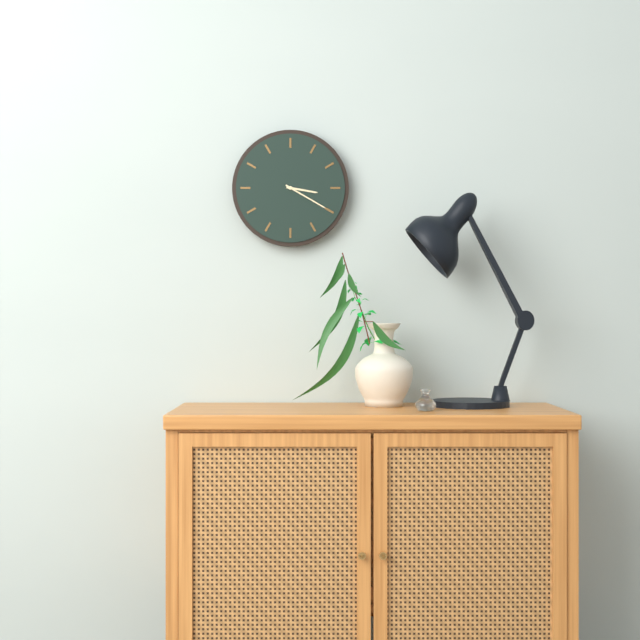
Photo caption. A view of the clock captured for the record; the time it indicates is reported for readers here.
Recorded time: 3:20
